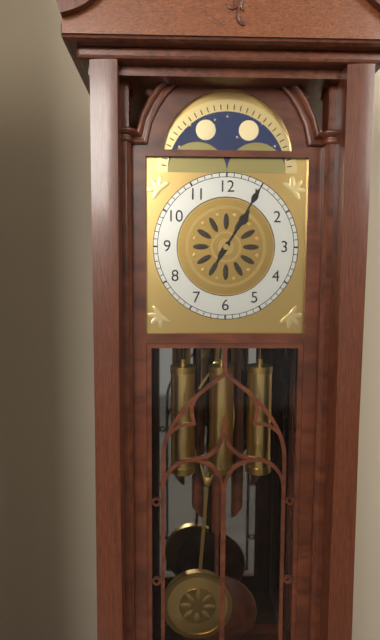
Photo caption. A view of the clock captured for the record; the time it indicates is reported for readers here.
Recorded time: 1:05
